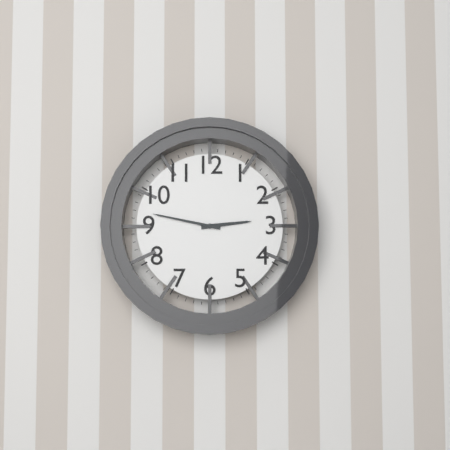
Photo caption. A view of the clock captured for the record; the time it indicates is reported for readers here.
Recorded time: 2:47
